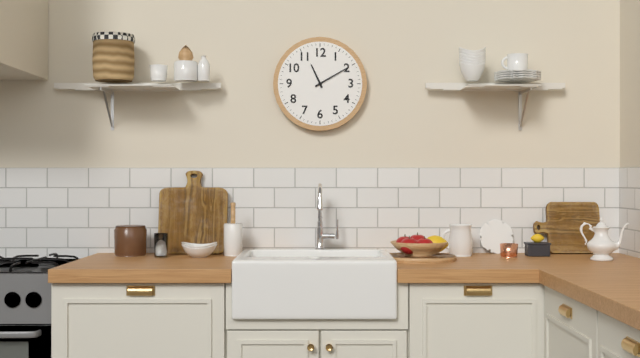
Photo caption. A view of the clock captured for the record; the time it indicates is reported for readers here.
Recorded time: 11:10
